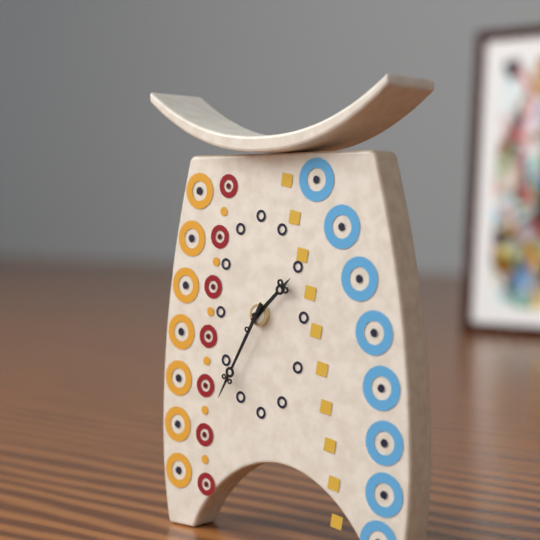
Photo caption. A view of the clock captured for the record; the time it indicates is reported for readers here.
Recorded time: 1:35
